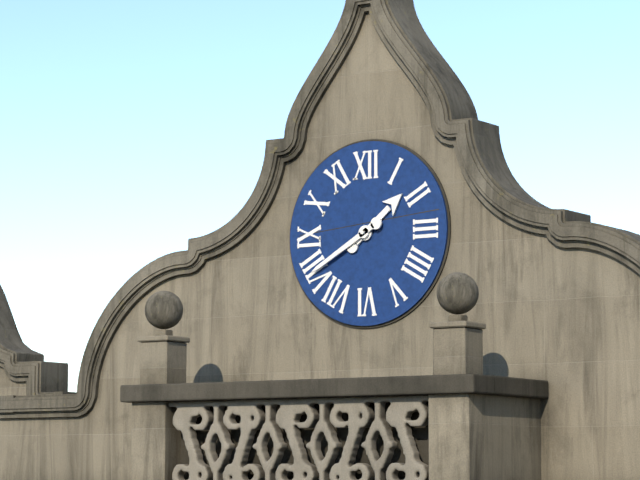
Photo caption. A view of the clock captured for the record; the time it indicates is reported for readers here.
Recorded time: 1:40
